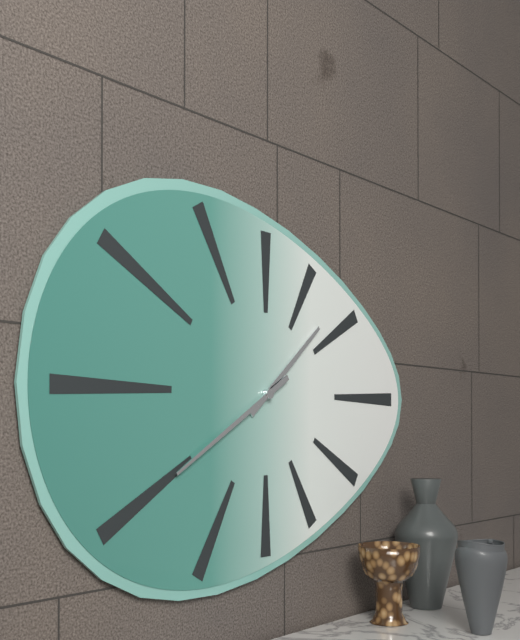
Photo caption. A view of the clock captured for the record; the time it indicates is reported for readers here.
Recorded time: 1:40
